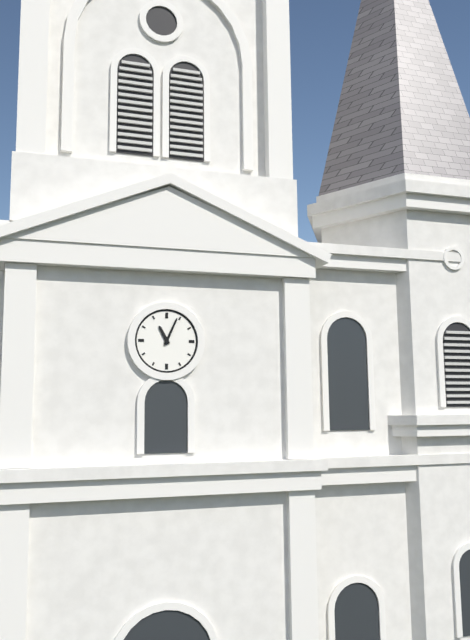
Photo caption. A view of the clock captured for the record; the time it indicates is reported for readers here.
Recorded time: 11:04
